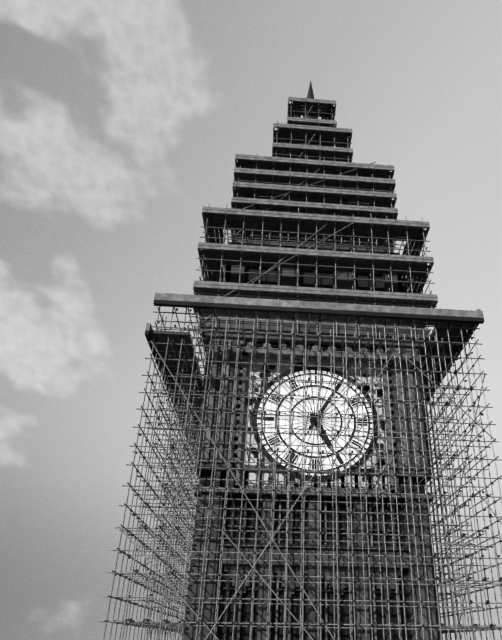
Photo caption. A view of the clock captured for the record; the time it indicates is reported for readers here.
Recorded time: 5:05
